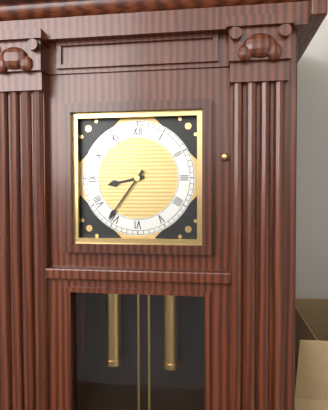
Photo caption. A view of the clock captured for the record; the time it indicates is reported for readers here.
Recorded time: 8:36
